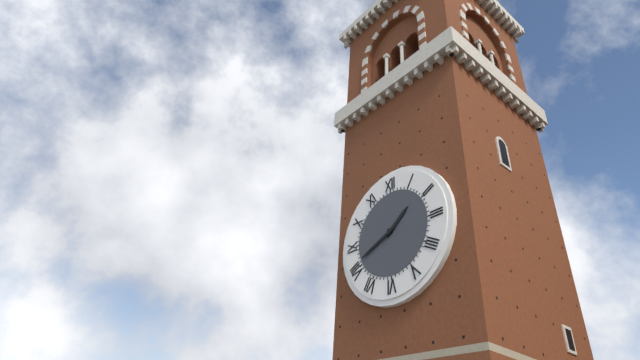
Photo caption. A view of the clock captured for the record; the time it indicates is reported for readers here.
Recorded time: 1:41
